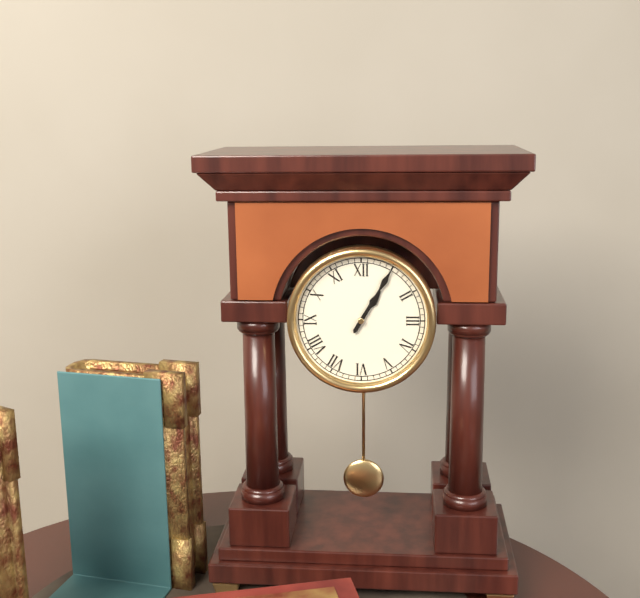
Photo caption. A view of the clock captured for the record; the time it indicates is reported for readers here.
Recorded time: 1:05
